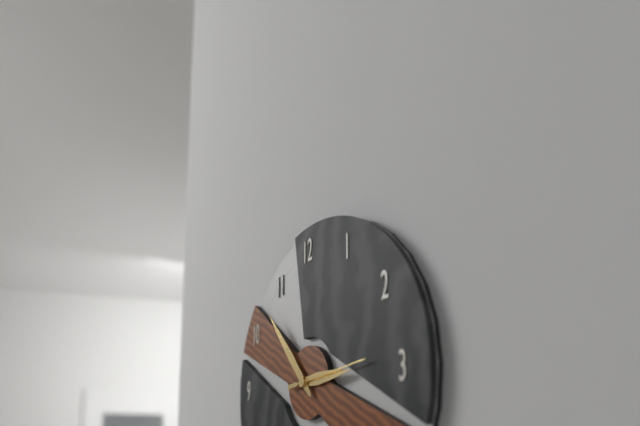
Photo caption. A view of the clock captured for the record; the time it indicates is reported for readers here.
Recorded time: 2:53:14
